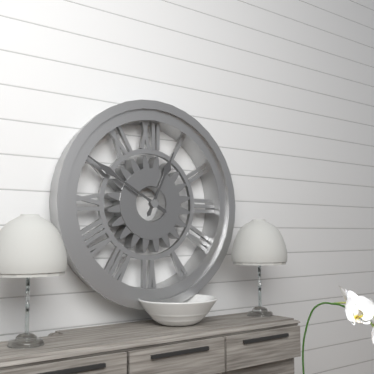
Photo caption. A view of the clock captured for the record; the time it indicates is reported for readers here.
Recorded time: 12:50
